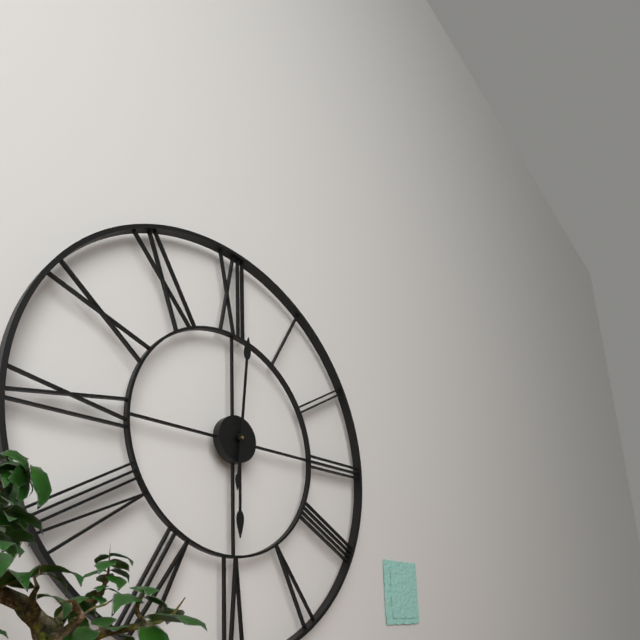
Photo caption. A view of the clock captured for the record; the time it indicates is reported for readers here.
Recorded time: 6:01
